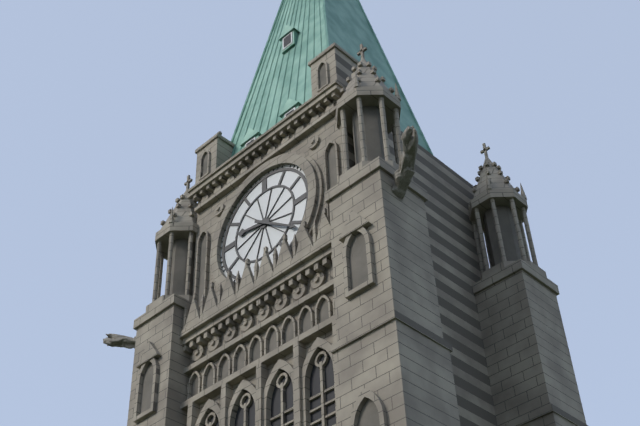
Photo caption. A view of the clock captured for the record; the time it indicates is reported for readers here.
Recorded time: 9:21
